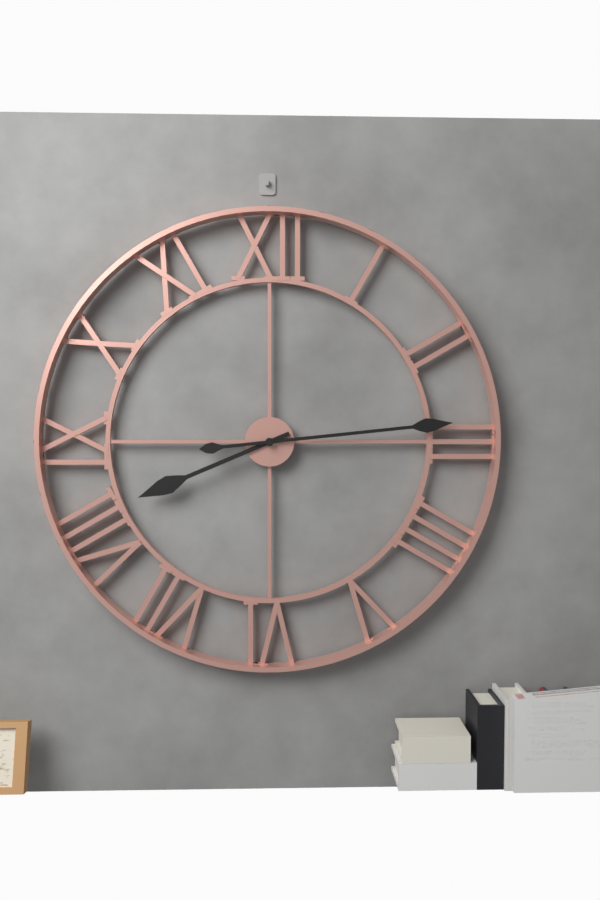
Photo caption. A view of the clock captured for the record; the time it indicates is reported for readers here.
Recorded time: 8:14
